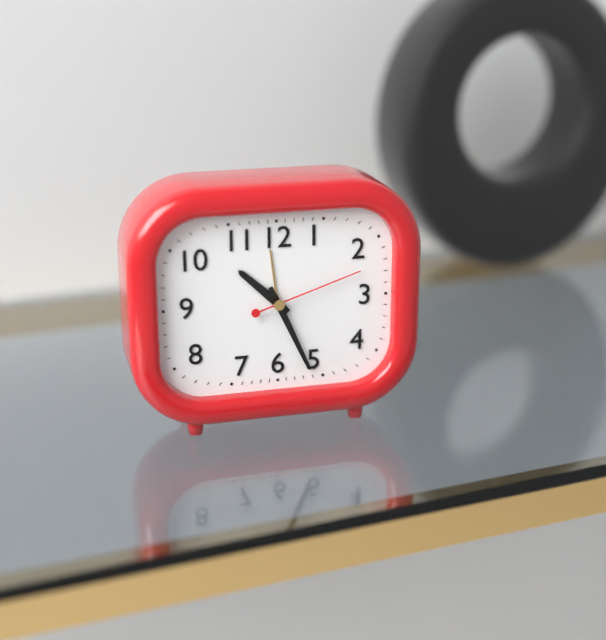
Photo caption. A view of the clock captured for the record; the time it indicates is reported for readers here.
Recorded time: 10:26:12
